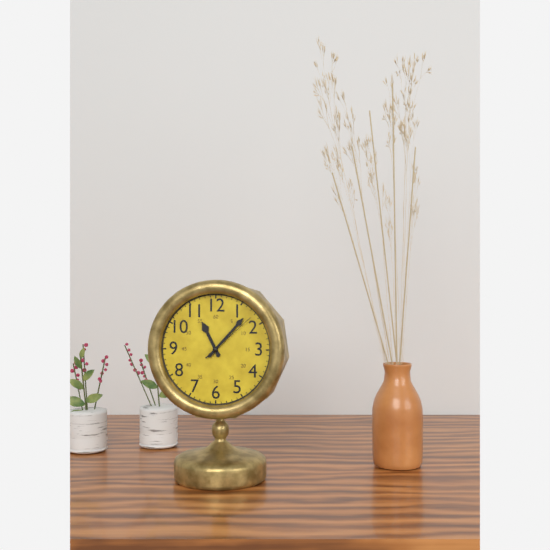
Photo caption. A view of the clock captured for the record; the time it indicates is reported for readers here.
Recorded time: 11:07:08
